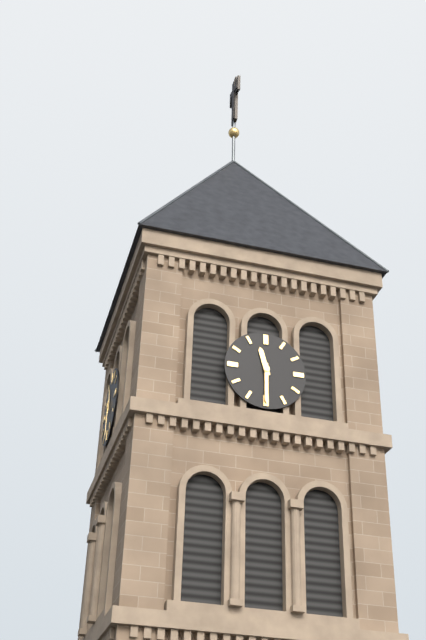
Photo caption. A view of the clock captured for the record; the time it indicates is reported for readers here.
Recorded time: 11:30
